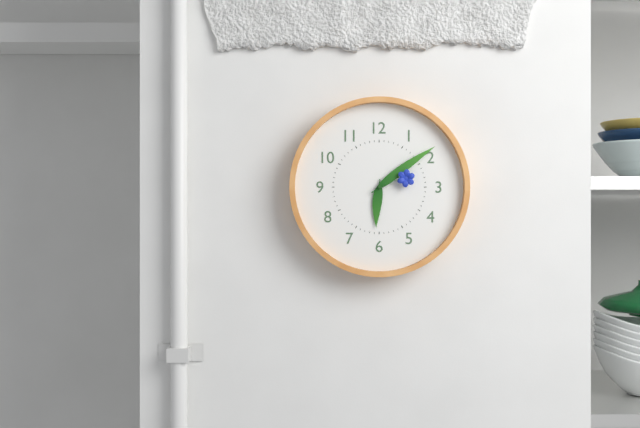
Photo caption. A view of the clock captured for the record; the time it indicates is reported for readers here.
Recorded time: 6:09:12
